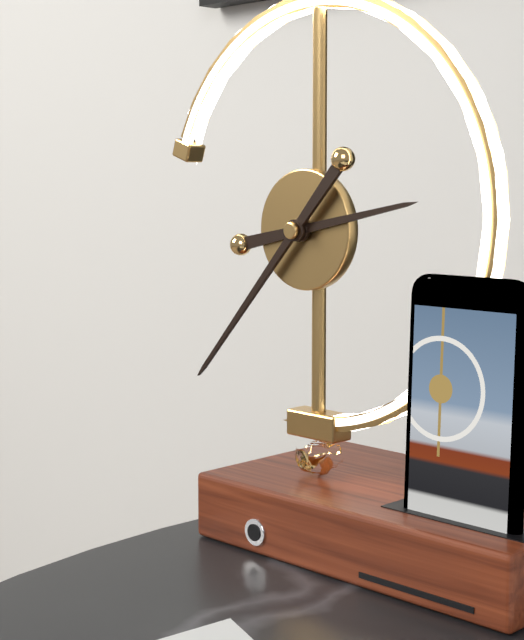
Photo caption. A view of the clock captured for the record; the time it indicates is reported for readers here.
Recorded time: 2:37
